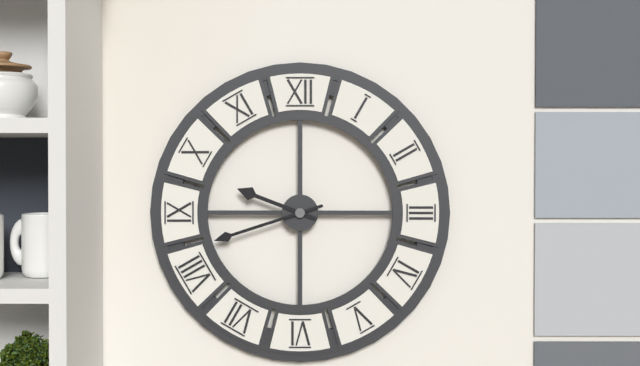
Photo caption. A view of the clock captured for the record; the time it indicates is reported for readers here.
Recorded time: 9:42
